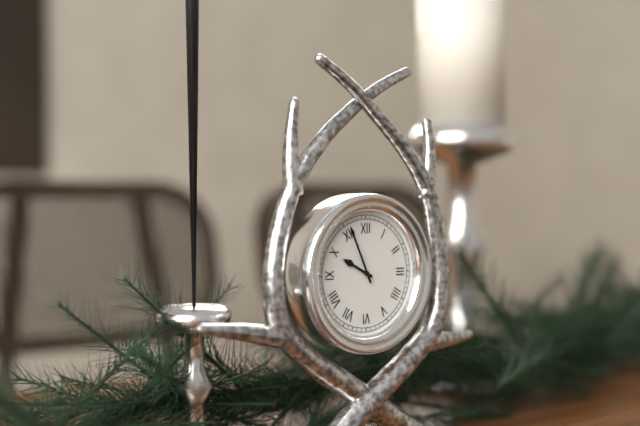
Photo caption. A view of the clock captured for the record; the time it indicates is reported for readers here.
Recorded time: 9:56
